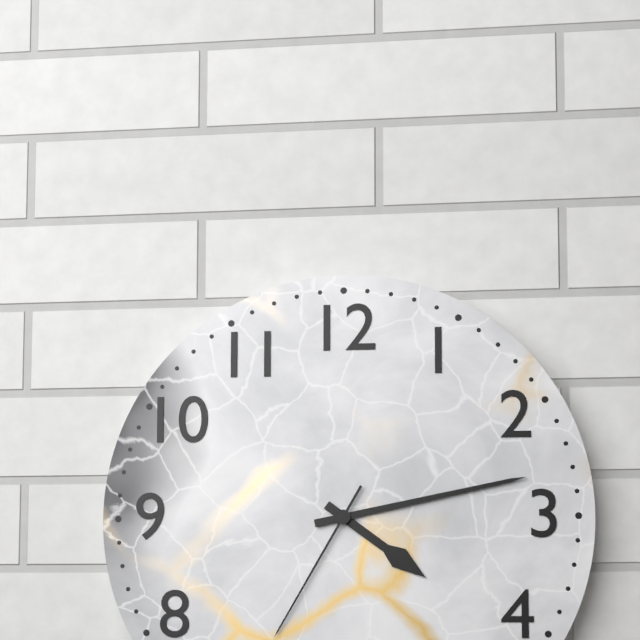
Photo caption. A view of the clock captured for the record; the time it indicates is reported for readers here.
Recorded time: 4:13:35
